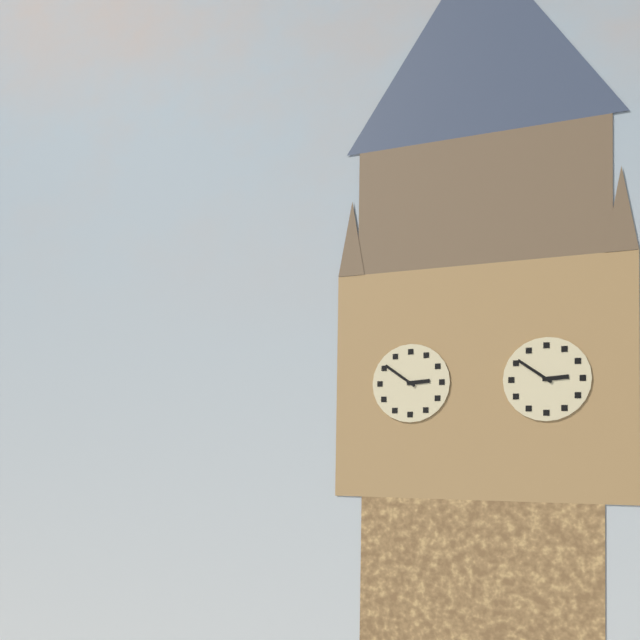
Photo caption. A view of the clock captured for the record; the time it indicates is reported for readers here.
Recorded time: 2:51
